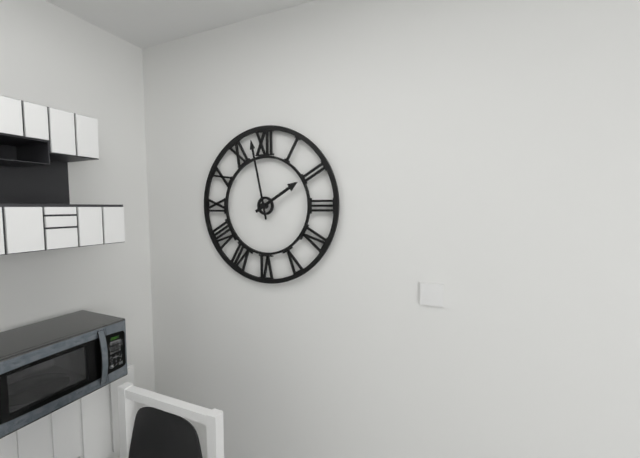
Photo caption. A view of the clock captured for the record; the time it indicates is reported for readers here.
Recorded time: 1:58
